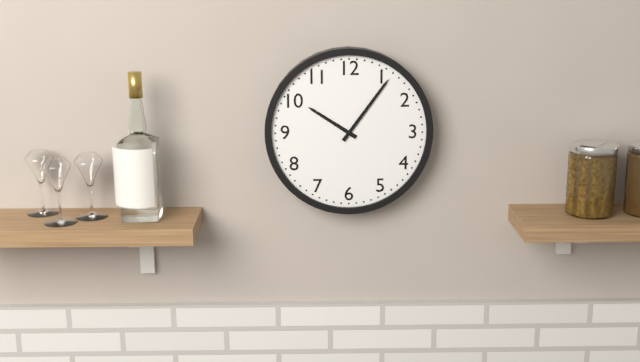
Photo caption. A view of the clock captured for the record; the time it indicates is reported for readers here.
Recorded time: 10:06
